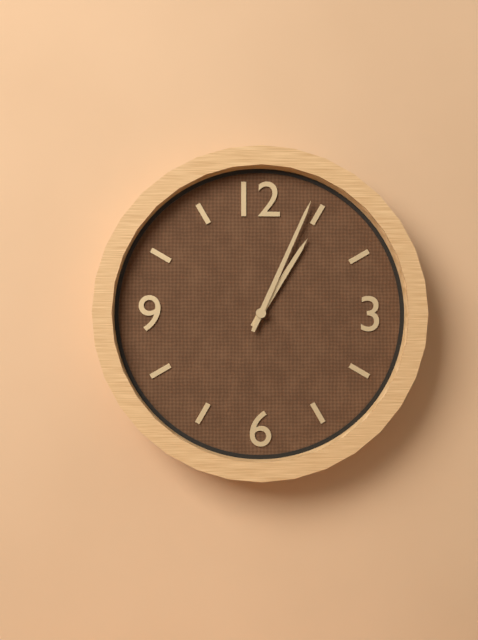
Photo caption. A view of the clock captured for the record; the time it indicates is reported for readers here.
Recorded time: 1:04
